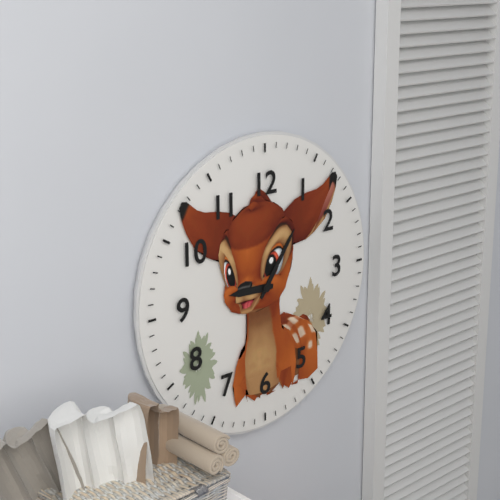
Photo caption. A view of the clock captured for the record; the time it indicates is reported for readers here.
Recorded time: 9:06
